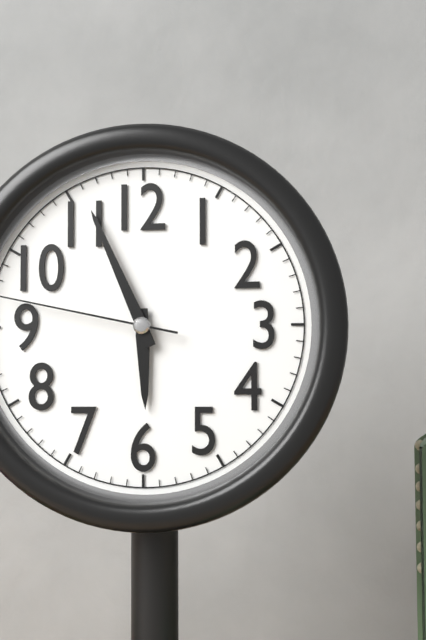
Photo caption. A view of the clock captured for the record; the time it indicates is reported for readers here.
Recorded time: 5:56
